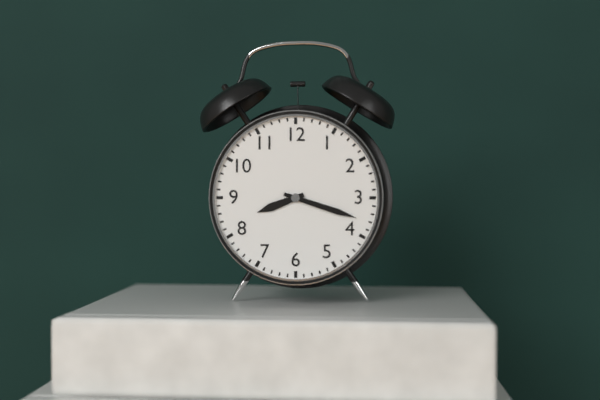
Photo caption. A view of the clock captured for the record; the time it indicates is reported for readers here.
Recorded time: 8:18
